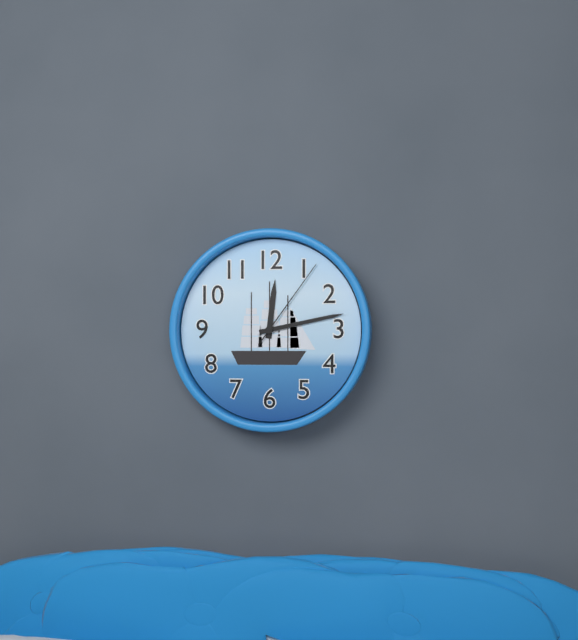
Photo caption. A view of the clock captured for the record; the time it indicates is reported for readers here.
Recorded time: 12:13:06
